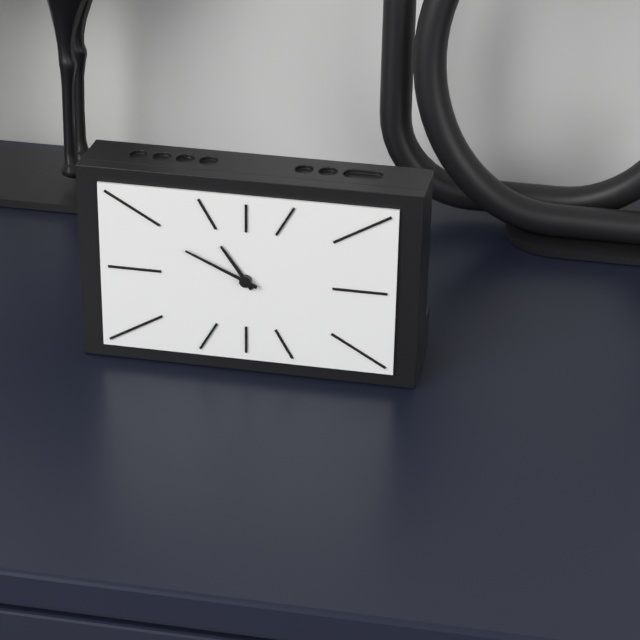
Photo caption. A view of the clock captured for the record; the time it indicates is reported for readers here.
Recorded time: 10:49
